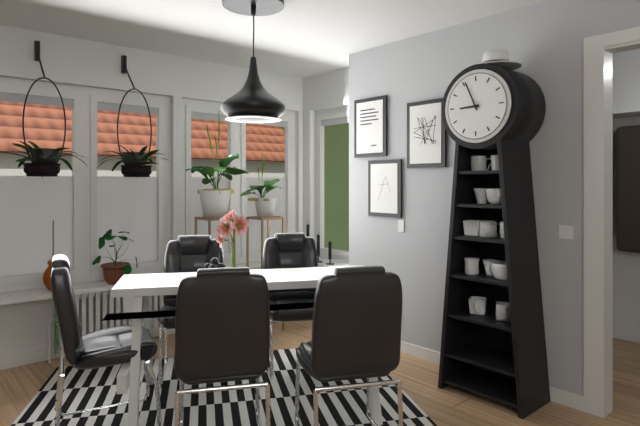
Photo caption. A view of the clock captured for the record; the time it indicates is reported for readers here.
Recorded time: 8:56
